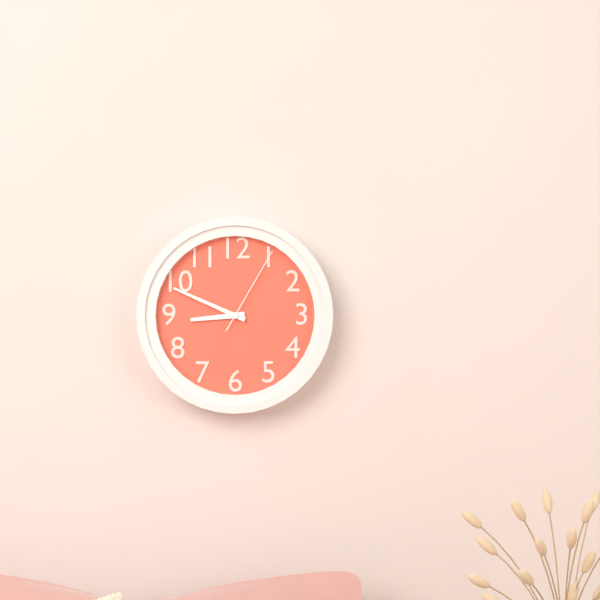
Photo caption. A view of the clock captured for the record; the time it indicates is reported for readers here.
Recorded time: 8:49:05
